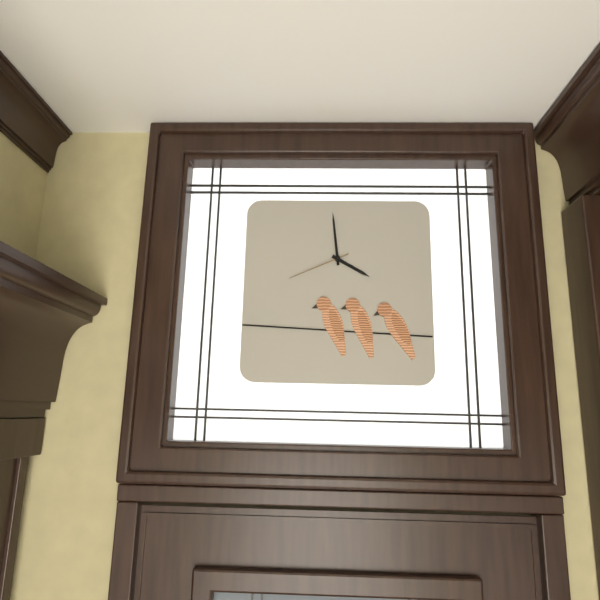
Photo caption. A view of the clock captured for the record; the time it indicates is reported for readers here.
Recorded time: 3:59:41
